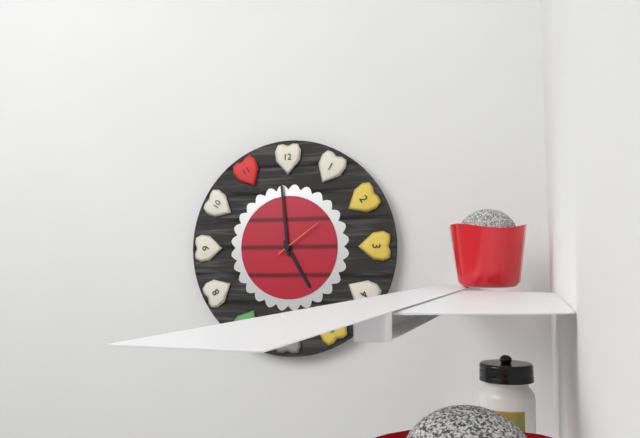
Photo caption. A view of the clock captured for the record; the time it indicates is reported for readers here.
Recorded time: 4:59
